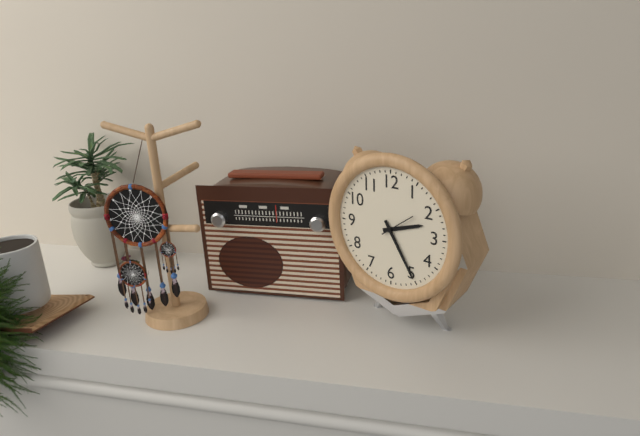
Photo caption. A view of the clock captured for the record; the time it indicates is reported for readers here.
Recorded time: 2:25
